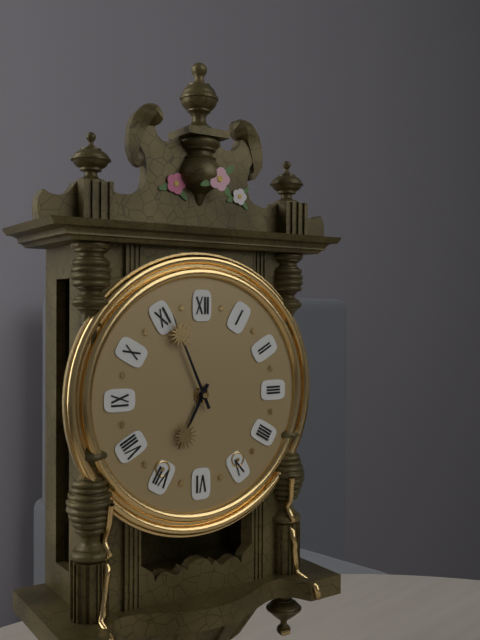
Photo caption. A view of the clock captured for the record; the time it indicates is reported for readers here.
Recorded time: 6:56
